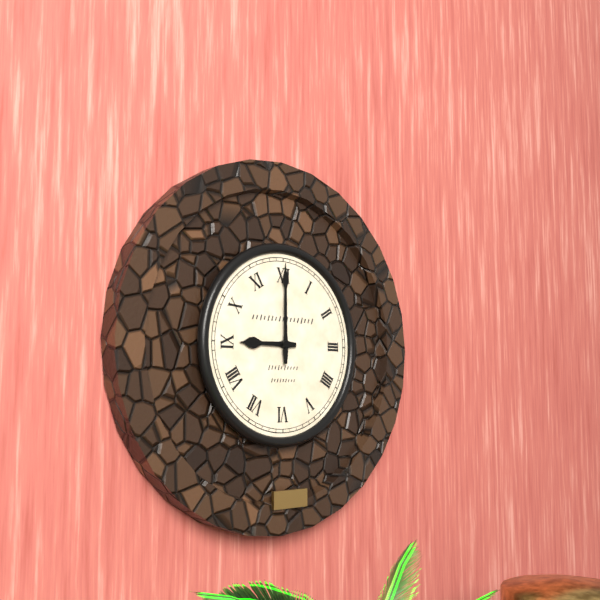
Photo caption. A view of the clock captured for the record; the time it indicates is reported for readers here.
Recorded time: 9:00
